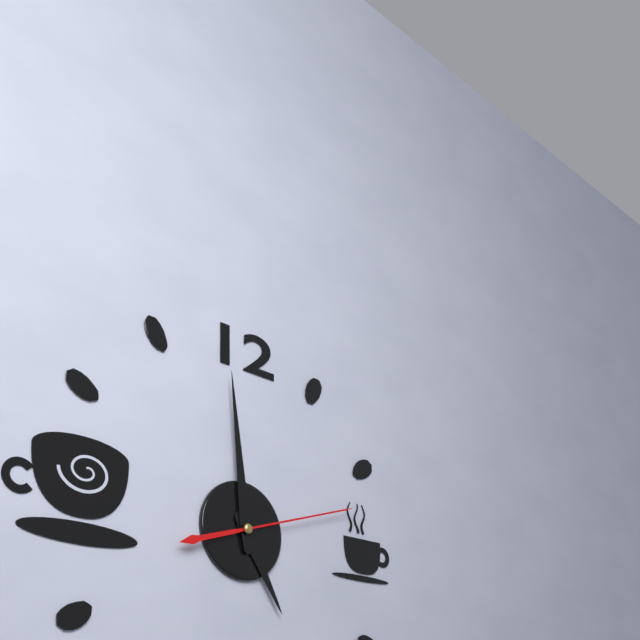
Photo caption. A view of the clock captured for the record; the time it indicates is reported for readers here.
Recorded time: 4:59:12
